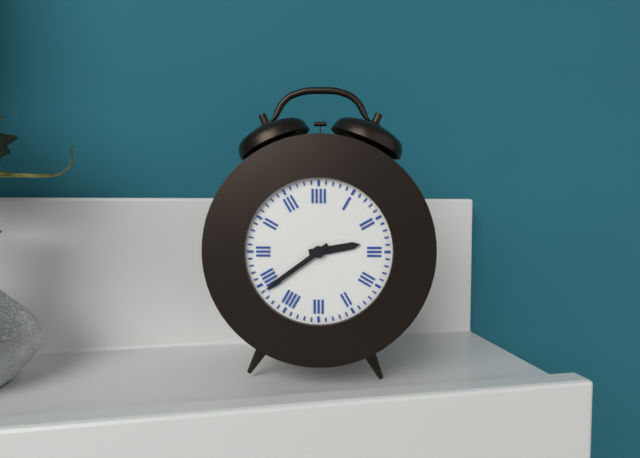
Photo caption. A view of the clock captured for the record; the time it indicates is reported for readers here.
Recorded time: 2:39
